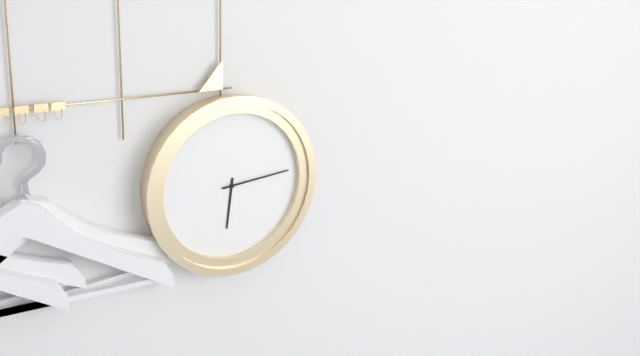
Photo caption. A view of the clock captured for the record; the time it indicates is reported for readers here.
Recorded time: 6:14
